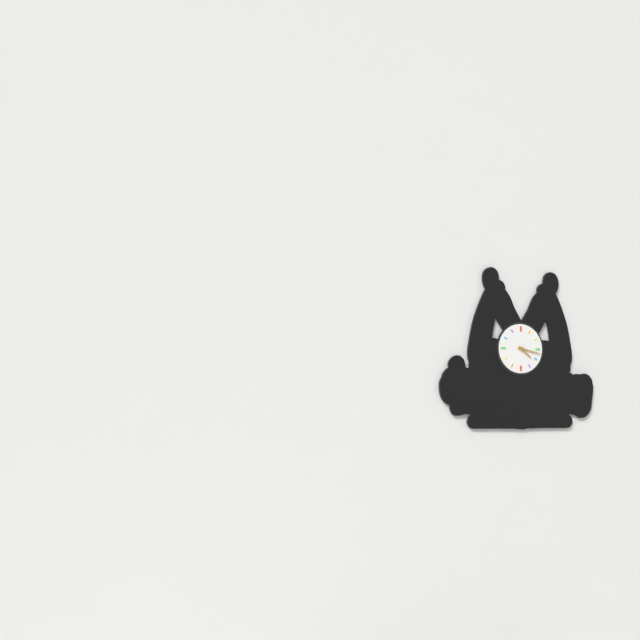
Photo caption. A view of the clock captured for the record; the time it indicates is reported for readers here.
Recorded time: 4:17
